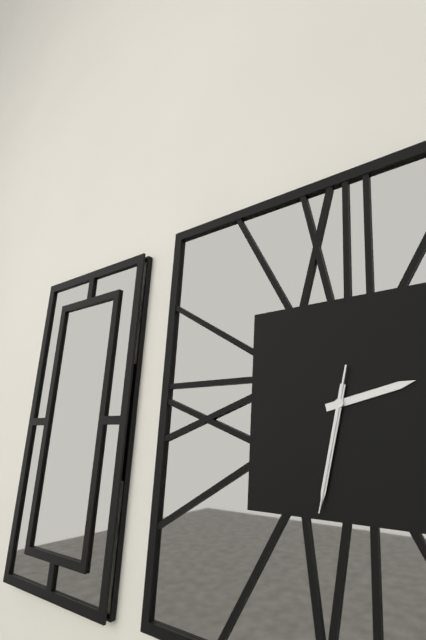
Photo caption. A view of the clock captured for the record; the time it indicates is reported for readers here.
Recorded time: 2:32:32
